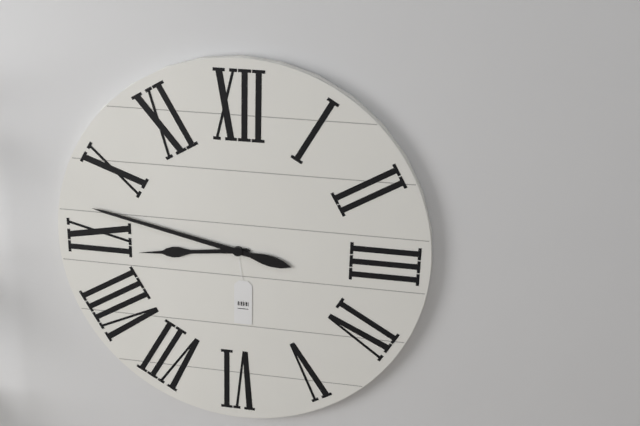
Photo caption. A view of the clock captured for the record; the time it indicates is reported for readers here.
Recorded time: 8:47
